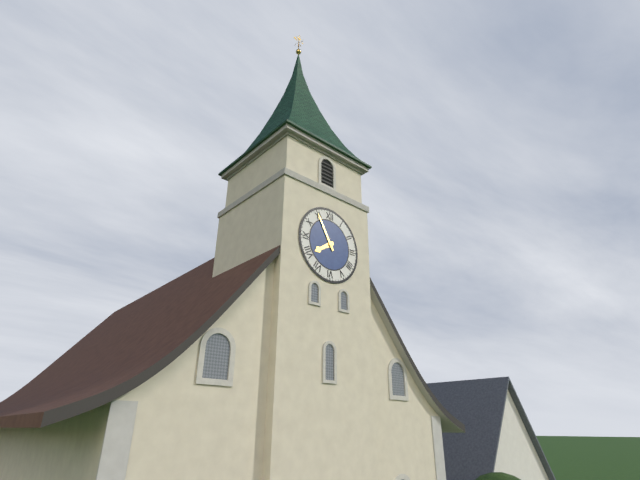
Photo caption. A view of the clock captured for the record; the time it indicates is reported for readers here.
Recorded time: 7:55
